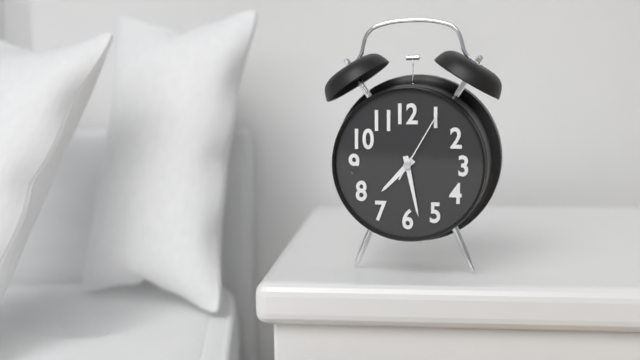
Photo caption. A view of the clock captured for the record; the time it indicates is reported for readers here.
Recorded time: 7:28:05
